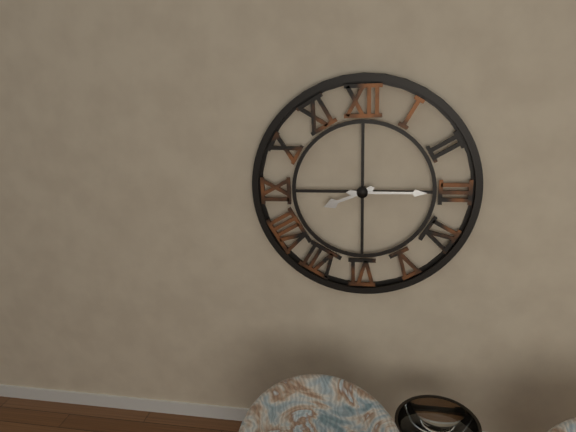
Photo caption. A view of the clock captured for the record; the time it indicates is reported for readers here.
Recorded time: 8:15
